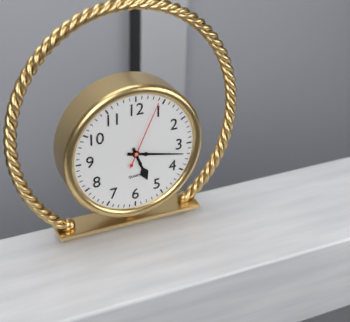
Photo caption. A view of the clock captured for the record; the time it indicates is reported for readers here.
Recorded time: 5:17:04
